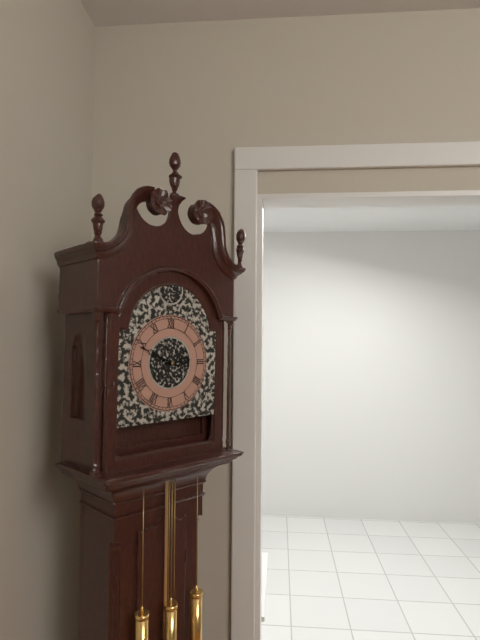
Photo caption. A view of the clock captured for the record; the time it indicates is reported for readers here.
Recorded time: 2:49
